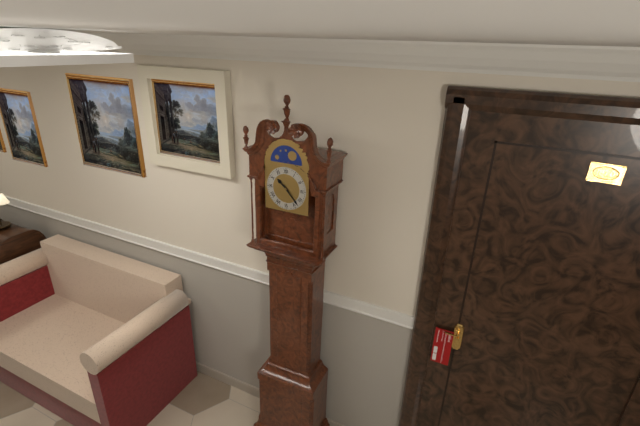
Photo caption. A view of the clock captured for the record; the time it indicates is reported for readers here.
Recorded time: 10:23
